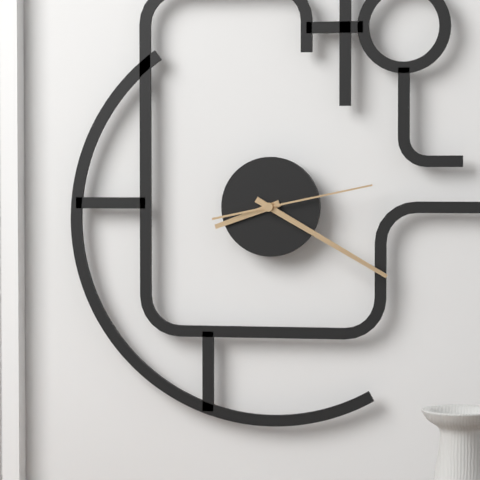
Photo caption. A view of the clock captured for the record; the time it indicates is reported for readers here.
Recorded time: 8:20:13
